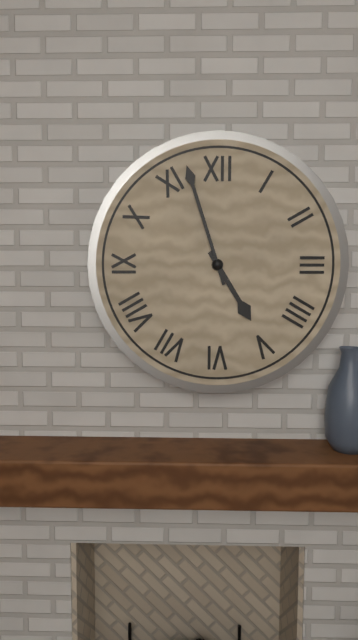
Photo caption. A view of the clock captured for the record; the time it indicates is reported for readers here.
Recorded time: 4:57
